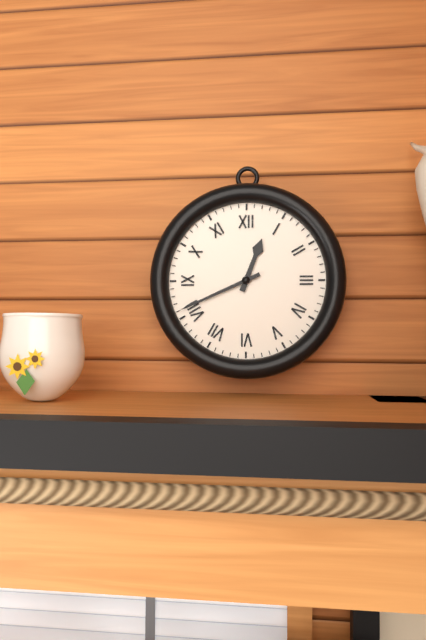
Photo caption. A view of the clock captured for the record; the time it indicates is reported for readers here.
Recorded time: 12:41
